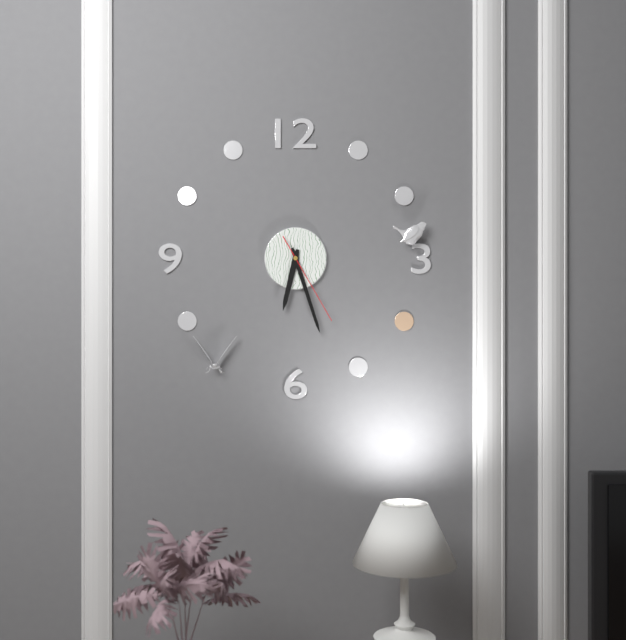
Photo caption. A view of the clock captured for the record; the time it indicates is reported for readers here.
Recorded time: 6:27:25
